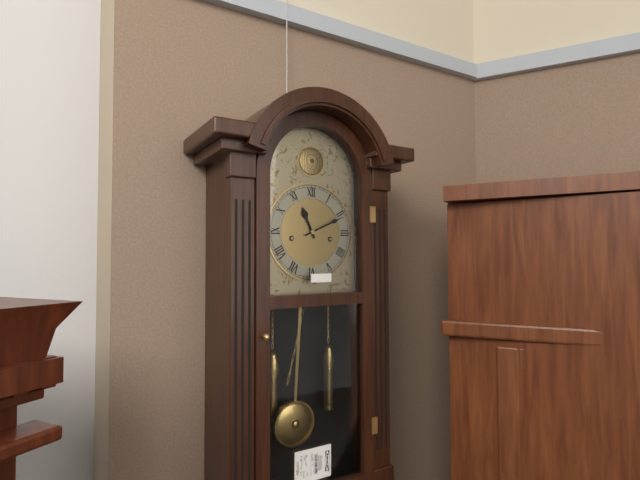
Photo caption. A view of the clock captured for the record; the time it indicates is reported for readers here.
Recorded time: 11:11
